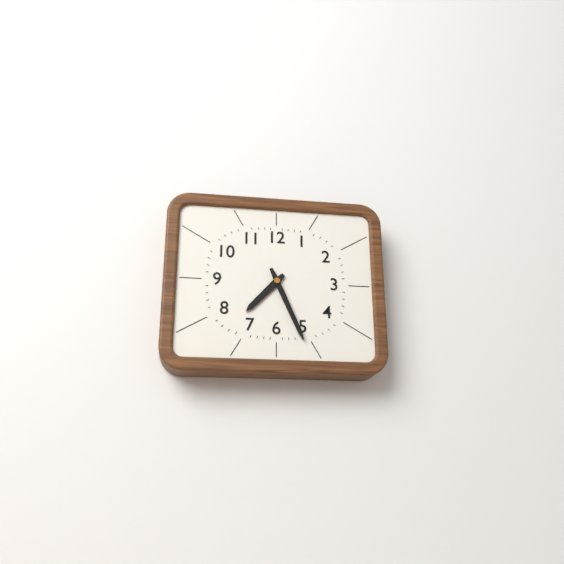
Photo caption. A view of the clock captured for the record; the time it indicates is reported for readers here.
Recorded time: 7:26
